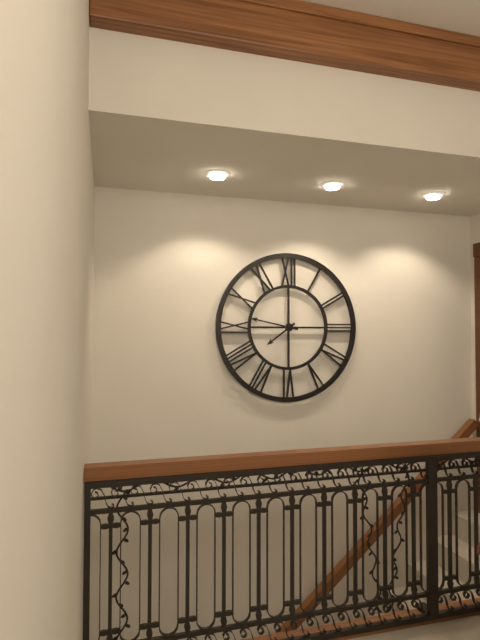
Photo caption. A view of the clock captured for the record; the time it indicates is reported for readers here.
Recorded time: 7:47
